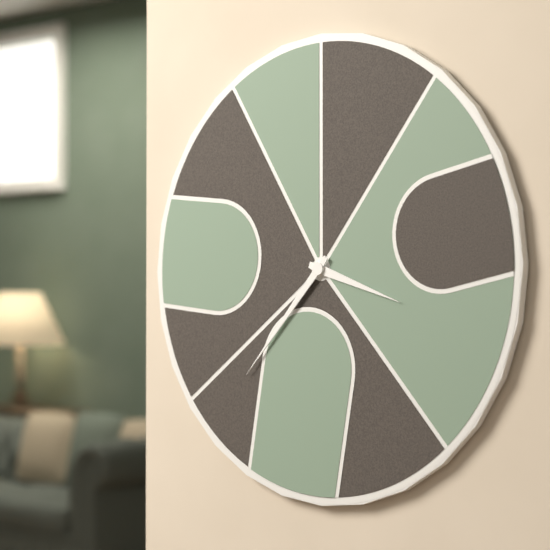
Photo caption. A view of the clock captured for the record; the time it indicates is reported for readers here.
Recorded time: 3:37
